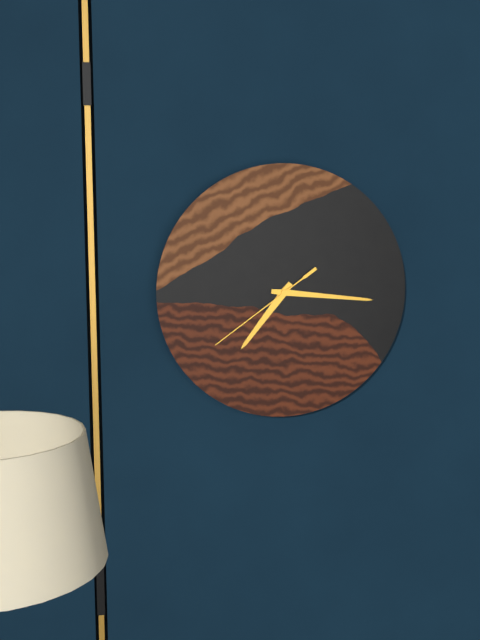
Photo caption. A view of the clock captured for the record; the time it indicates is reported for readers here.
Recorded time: 7:16:39
